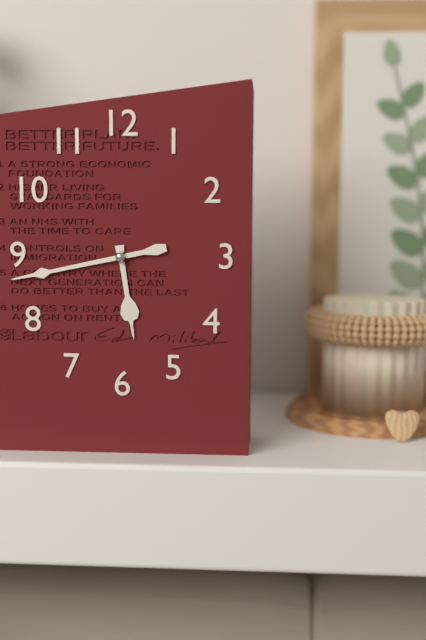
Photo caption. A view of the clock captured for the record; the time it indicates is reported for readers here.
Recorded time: 5:43
